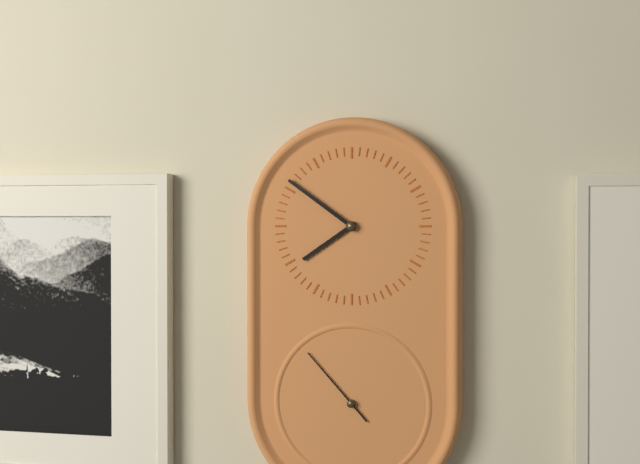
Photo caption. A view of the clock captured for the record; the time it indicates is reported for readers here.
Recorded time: 7:51:53
